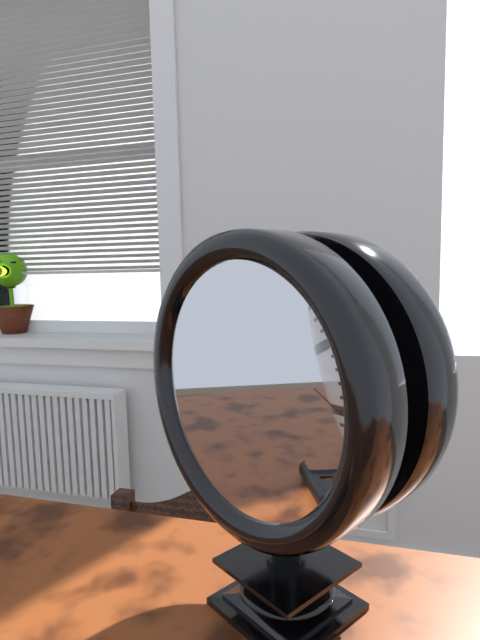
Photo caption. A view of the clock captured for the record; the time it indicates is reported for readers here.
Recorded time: 5:40:58
